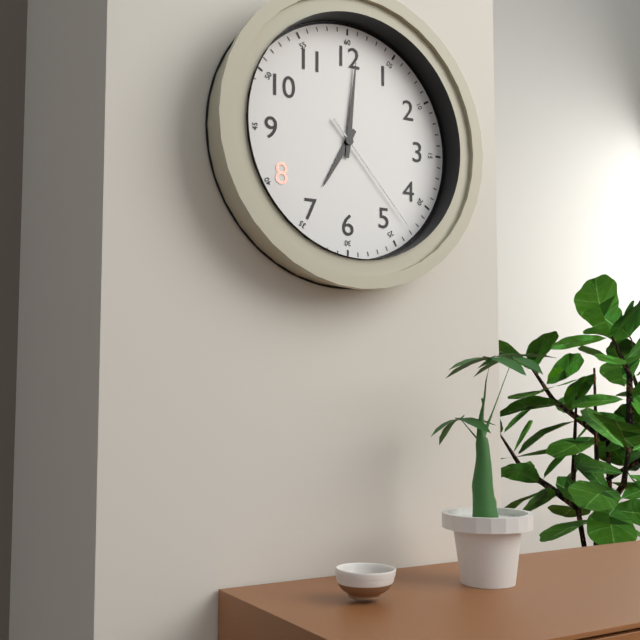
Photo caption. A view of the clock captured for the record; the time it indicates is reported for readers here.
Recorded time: 7:01:23
